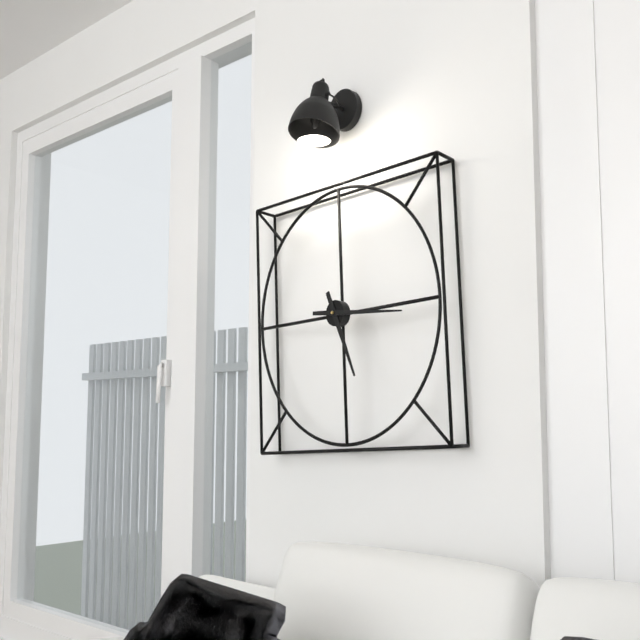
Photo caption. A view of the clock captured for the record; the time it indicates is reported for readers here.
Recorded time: 5:16
